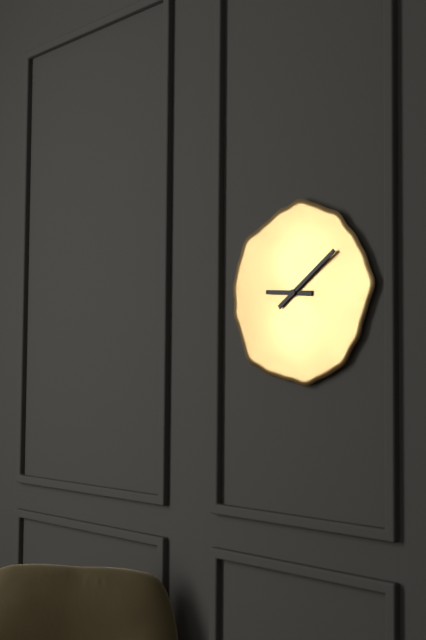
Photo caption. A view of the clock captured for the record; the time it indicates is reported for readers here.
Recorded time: 9:09
